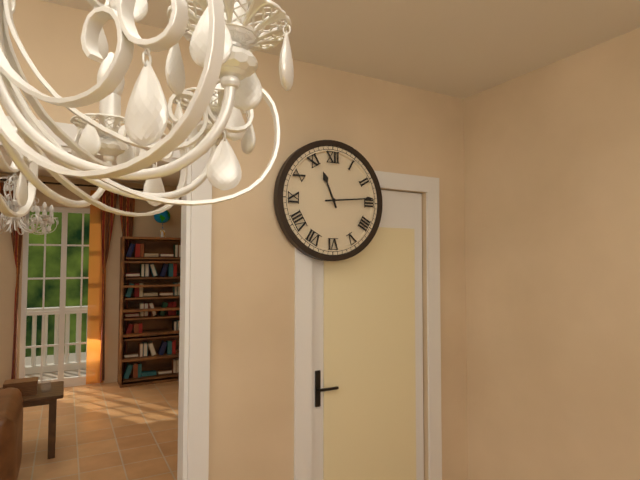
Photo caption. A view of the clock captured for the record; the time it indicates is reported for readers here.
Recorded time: 11:14
